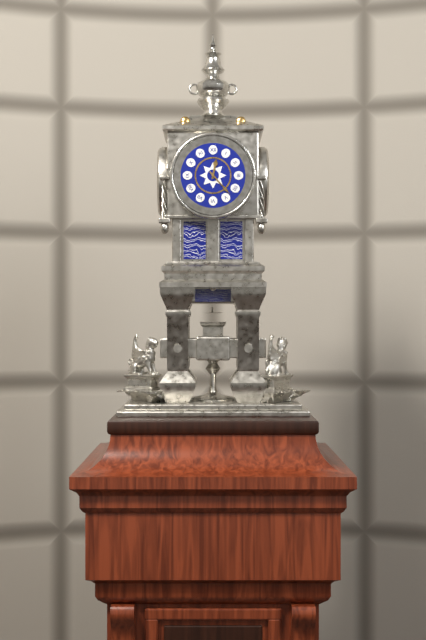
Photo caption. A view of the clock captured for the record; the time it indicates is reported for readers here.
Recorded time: 12:23
